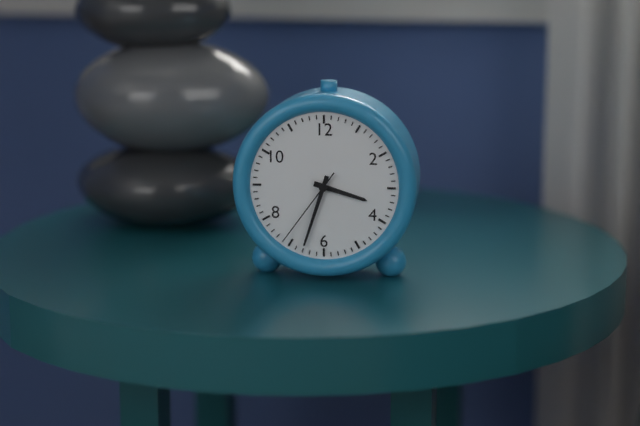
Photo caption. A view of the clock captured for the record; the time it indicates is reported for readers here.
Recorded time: 3:33:36
